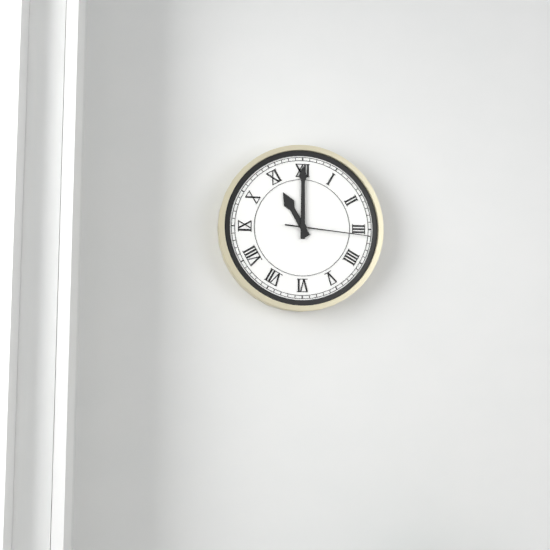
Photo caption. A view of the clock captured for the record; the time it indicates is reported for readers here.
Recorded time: 11:00:16
